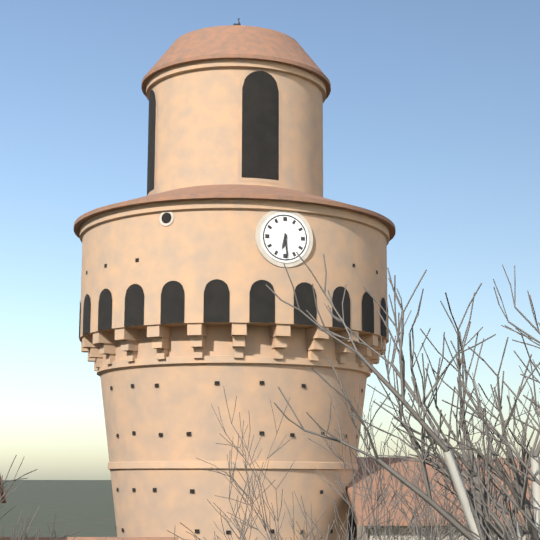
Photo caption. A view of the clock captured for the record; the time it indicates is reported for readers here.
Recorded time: 6:29
